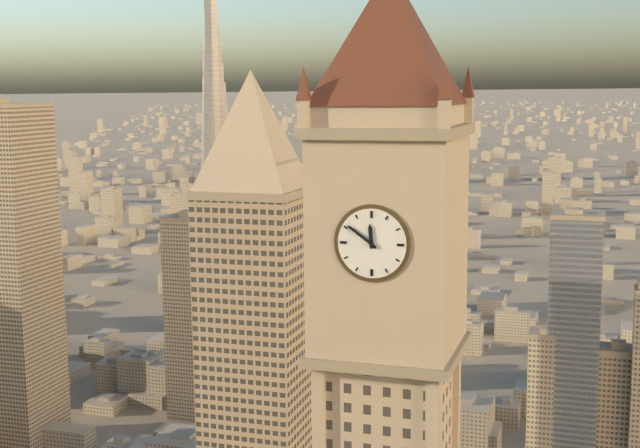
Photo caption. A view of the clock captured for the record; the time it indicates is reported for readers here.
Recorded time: 11:51
